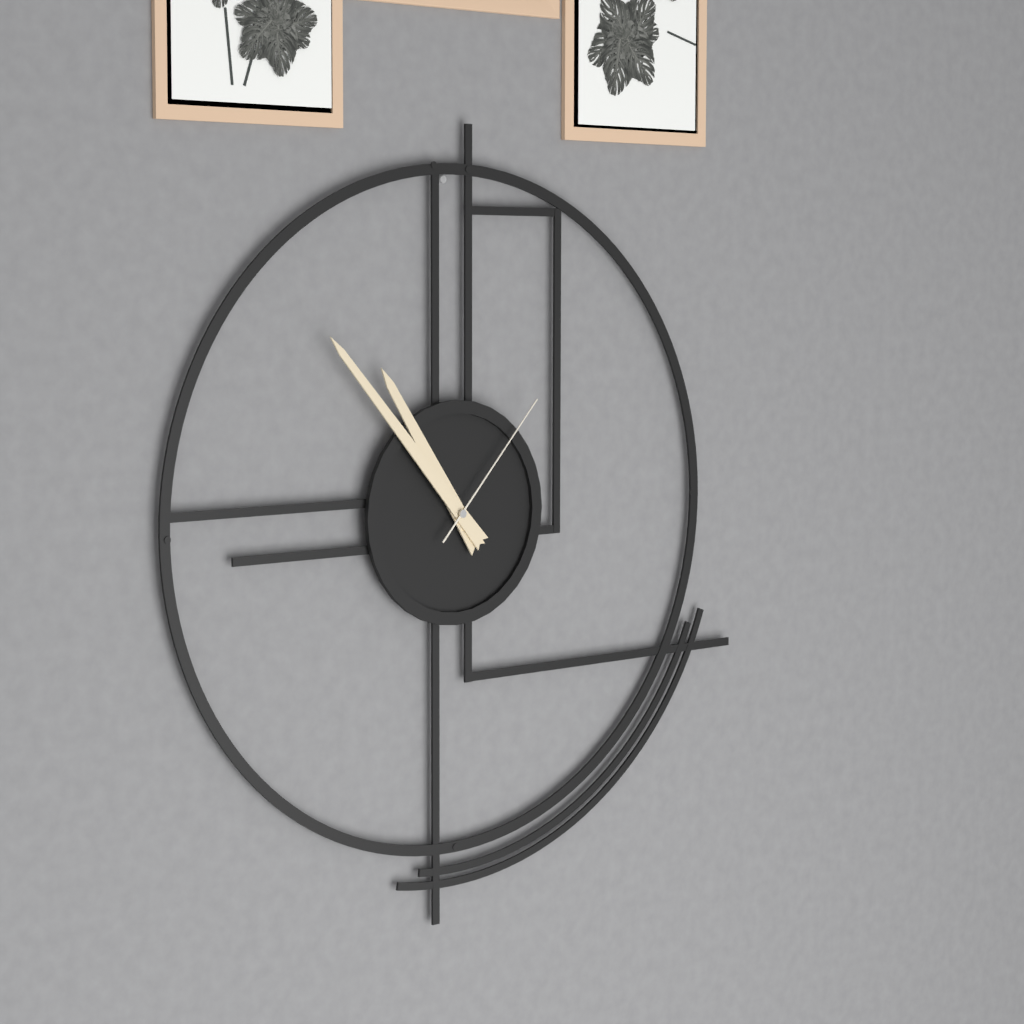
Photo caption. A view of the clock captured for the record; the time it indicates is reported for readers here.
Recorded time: 10:53:07
